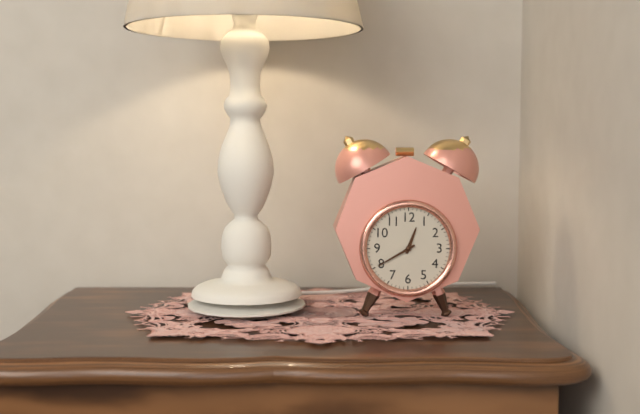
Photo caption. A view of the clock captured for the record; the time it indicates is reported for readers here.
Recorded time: 12:40
